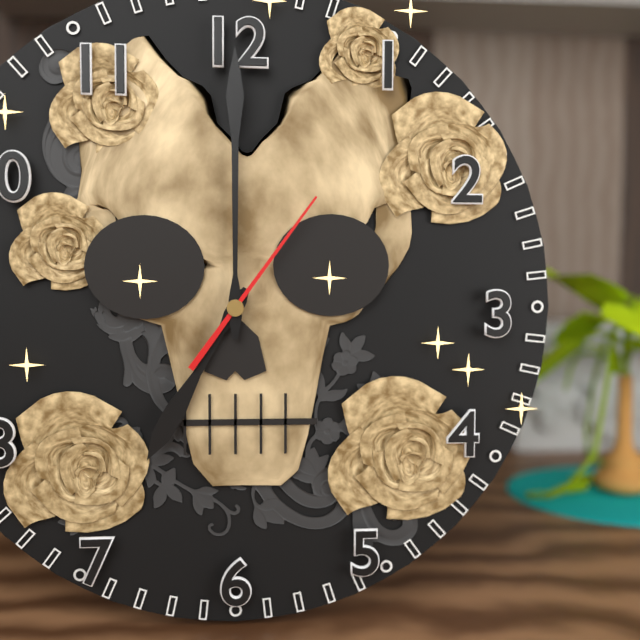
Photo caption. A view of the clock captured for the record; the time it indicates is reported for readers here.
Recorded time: 7:00:06
